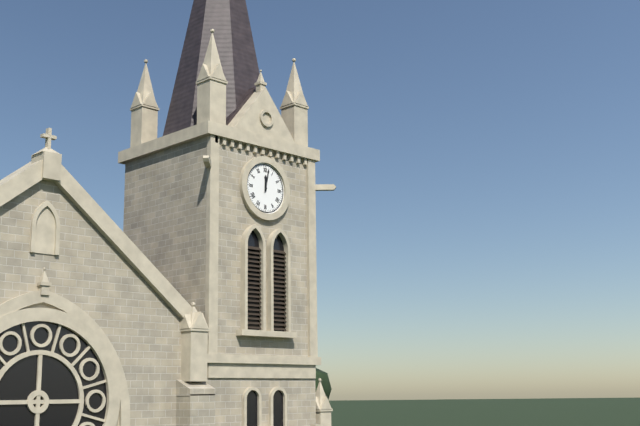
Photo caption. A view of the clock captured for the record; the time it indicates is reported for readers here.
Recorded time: 12:02
